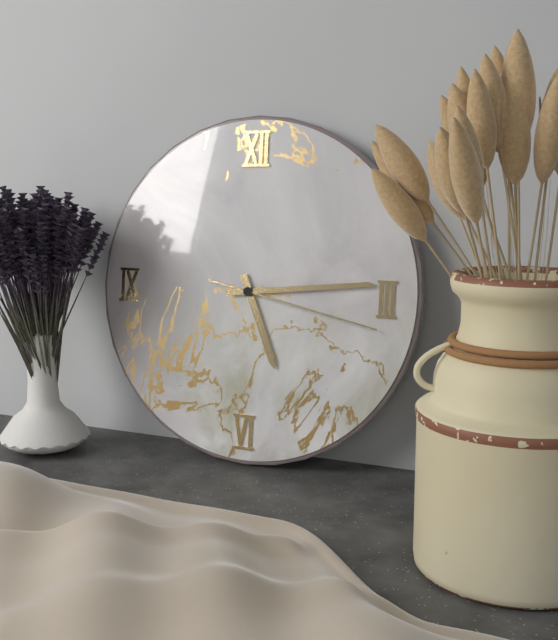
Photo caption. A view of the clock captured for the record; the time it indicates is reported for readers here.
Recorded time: 5:14:17
